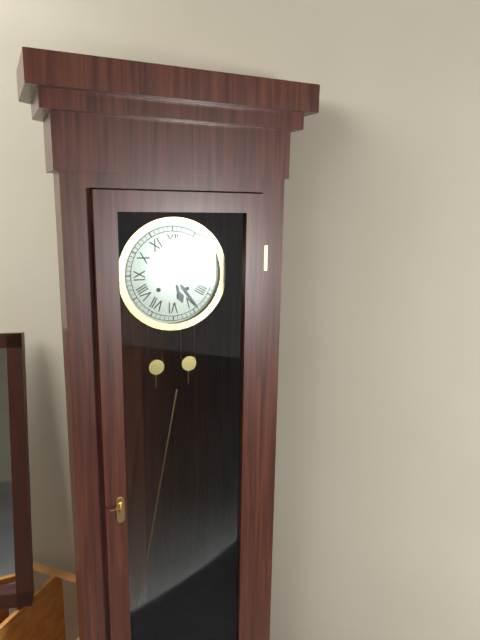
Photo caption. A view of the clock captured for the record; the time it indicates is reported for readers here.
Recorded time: 5:24
